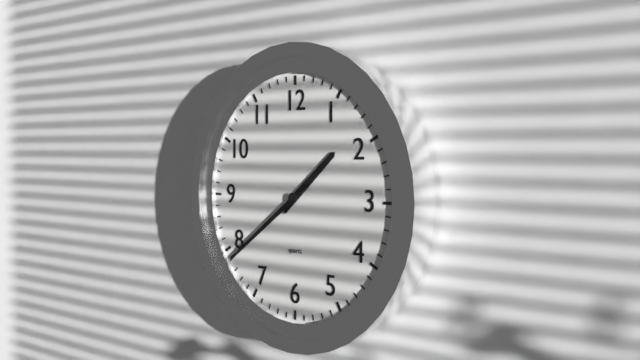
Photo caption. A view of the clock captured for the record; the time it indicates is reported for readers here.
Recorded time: 1:39
